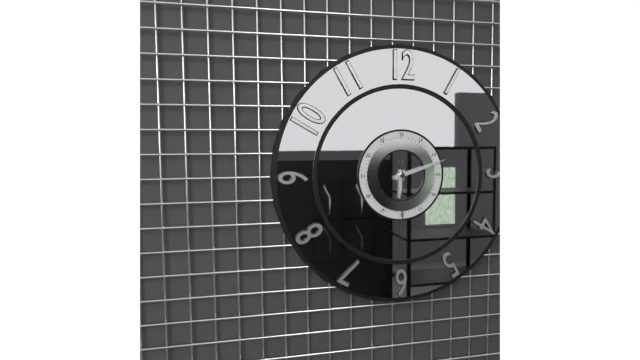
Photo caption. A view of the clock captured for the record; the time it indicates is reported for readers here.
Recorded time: 6:12:30
